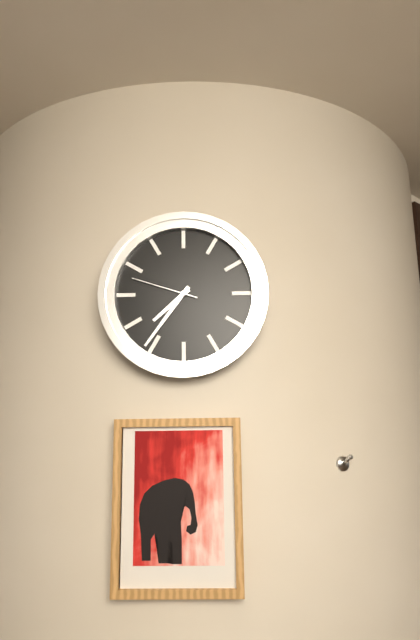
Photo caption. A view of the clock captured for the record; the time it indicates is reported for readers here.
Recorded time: 7:36:48
